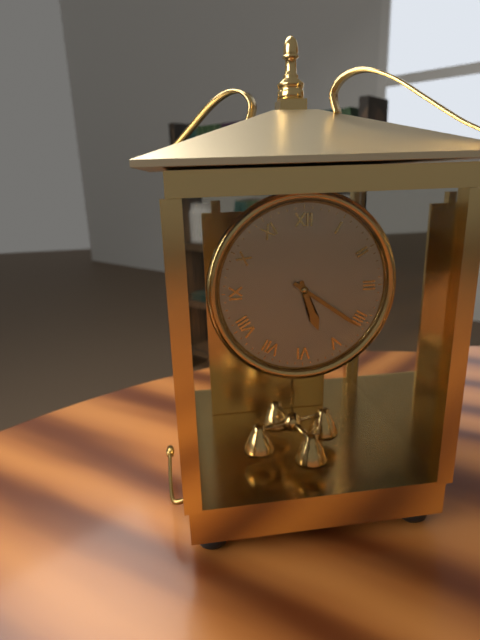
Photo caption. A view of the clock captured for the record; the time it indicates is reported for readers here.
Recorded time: 5:21
